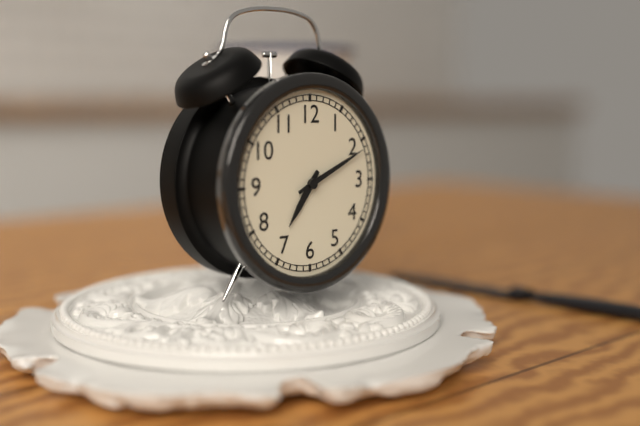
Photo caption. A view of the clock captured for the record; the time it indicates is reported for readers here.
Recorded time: 7:11
